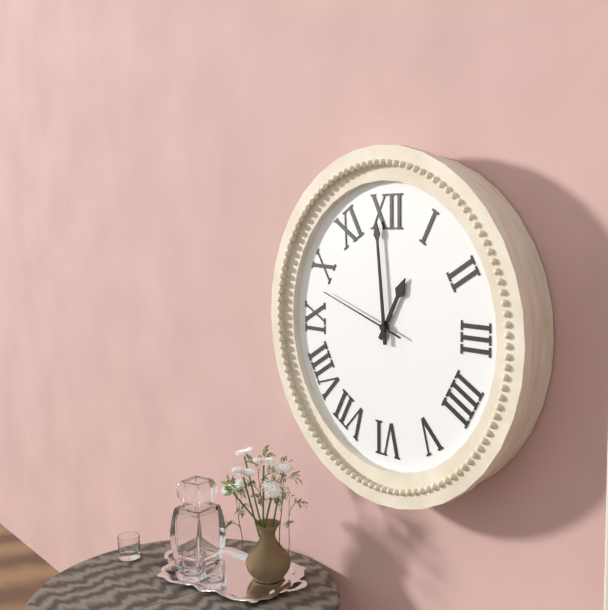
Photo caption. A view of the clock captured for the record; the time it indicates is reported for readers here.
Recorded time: 12:59:48
